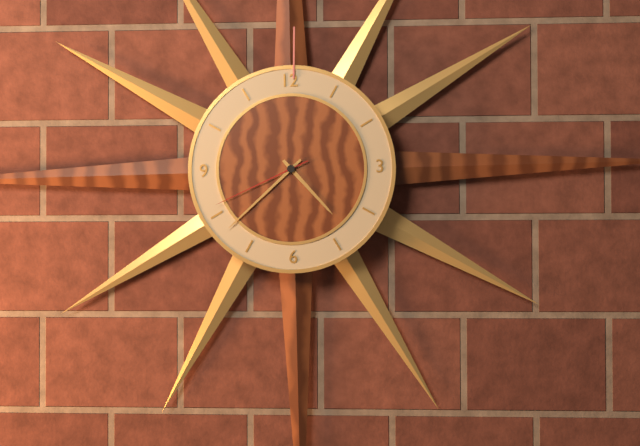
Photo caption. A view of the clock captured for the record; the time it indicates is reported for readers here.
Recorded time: 4:38:41
